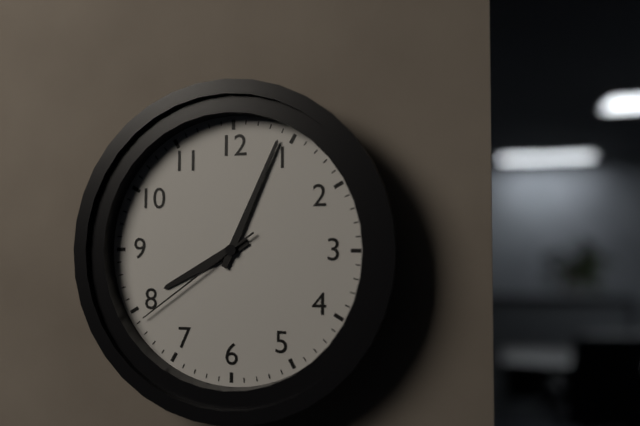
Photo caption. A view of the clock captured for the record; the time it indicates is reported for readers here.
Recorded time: 8:04:39
